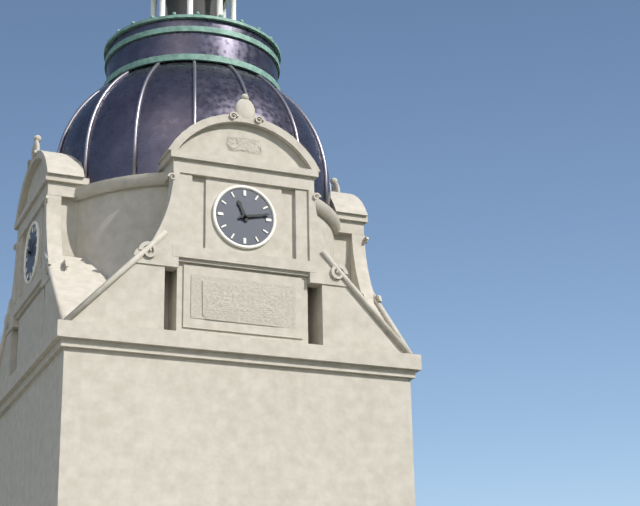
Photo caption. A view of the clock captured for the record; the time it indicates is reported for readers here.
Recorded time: 11:13
